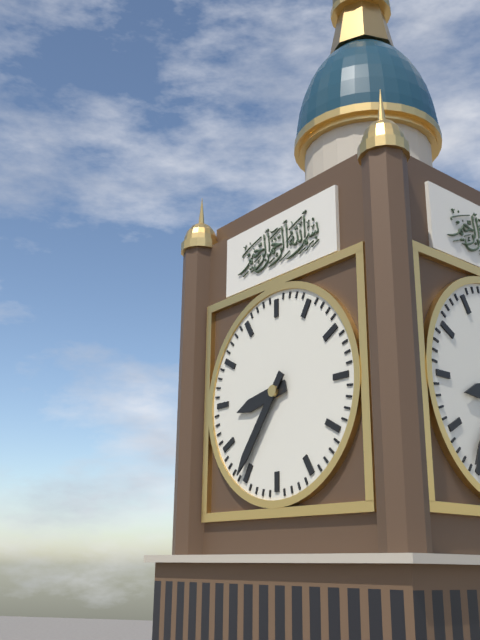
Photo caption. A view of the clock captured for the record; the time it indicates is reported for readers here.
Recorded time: 8:36
